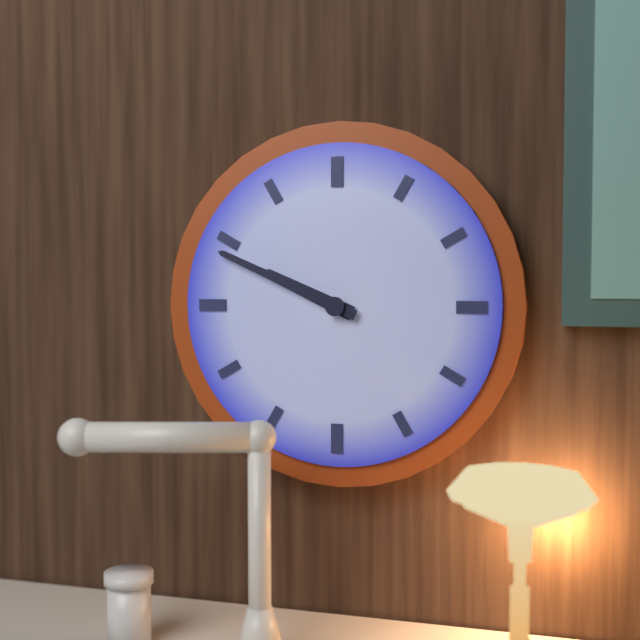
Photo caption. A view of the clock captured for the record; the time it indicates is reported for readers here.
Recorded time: 9:49
